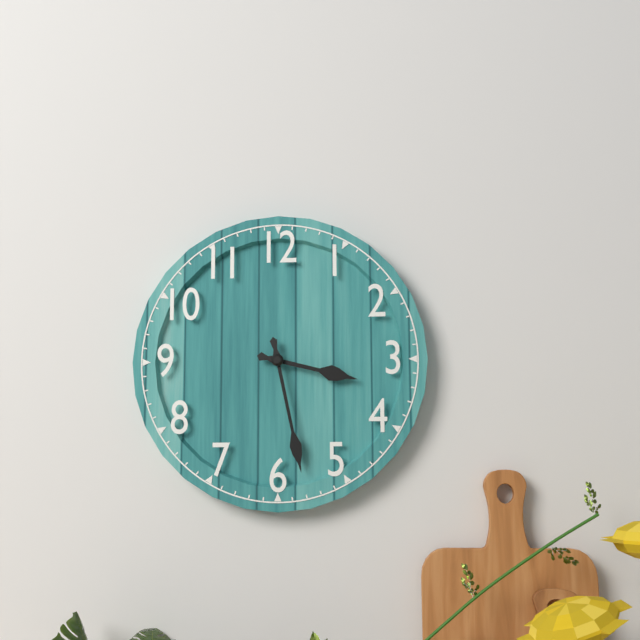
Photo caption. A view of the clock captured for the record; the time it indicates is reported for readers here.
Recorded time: 3:28
